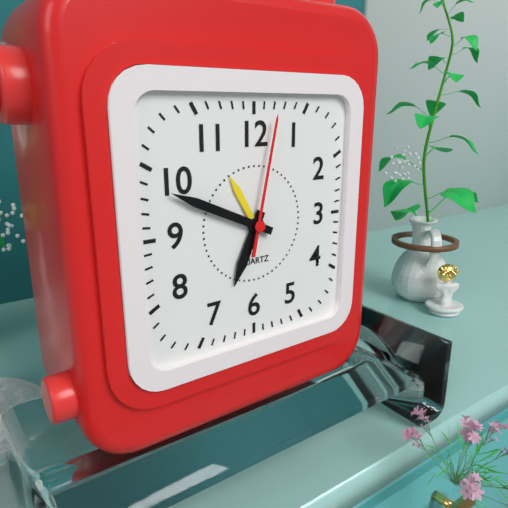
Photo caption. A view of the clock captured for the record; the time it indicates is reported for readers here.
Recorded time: 6:49:02
